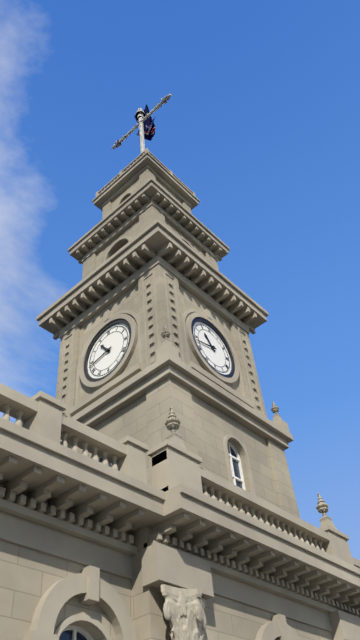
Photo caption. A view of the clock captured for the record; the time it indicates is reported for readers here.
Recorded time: 10:43
